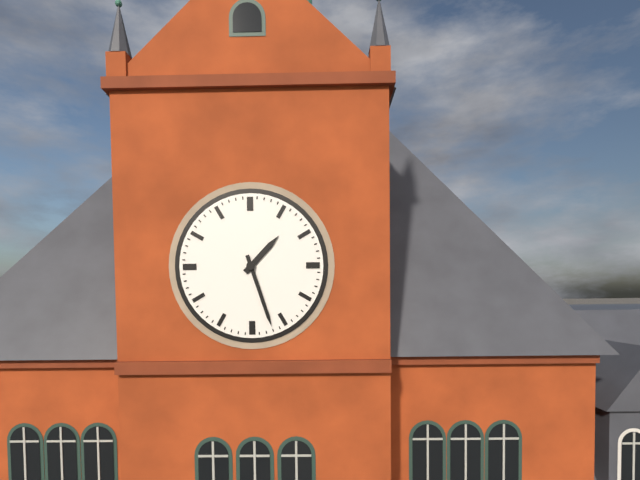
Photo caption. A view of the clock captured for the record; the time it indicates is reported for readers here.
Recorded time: 1:27
